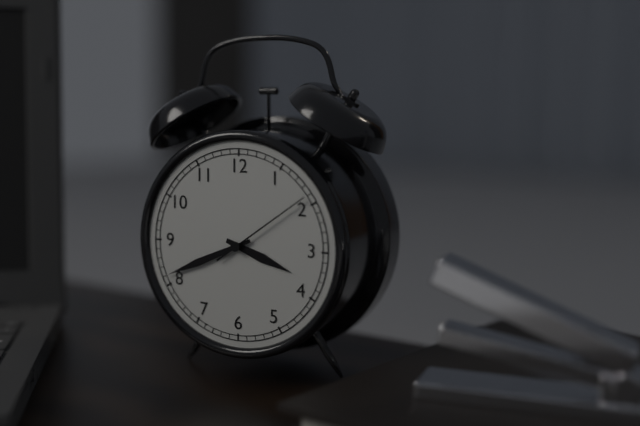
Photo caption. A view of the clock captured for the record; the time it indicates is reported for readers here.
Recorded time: 3:41:09
